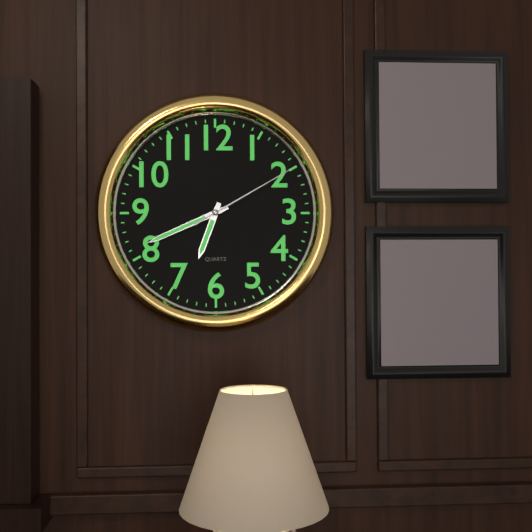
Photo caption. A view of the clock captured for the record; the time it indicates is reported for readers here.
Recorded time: 6:41:10
